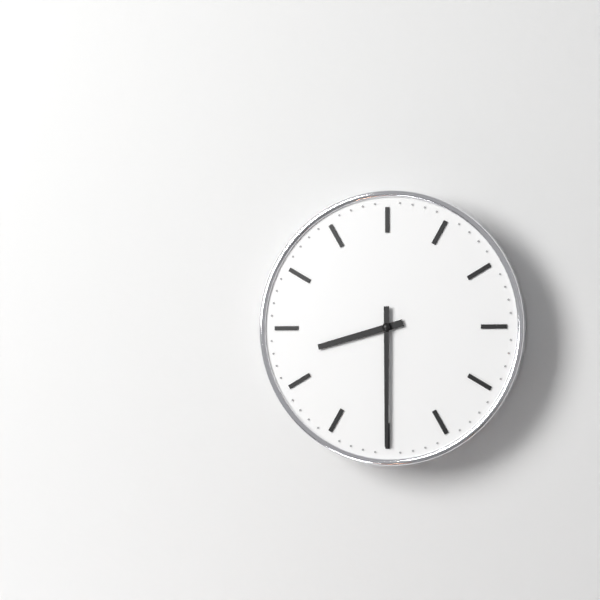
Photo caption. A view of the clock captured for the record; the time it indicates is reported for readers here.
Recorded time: 8:30
